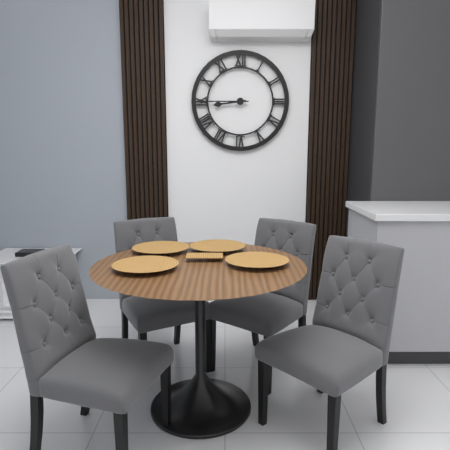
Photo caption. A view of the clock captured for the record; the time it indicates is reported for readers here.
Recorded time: 8:45
